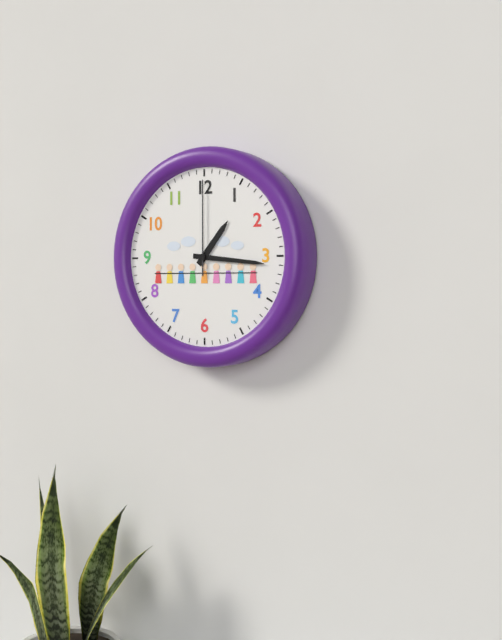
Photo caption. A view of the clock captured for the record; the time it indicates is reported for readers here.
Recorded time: 1:16:00
